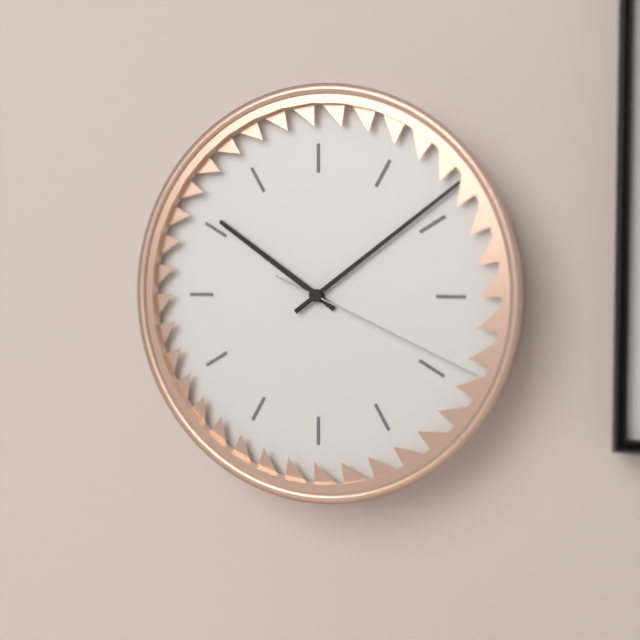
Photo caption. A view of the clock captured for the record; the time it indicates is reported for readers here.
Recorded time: 10:09:19
